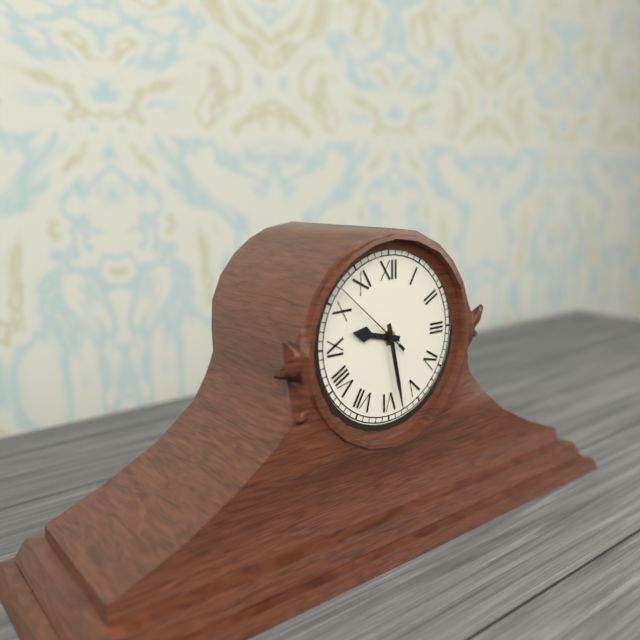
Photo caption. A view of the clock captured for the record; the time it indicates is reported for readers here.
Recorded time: 9:28:52
